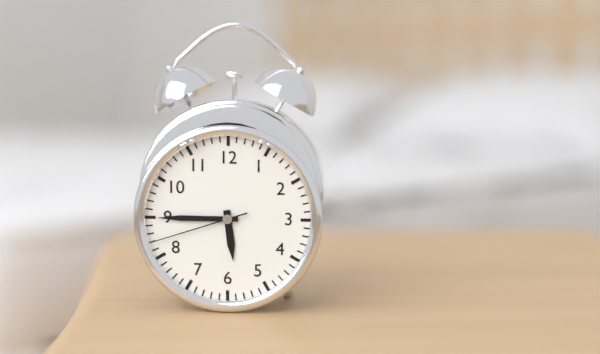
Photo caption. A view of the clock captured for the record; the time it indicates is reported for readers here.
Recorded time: 5:45:42
